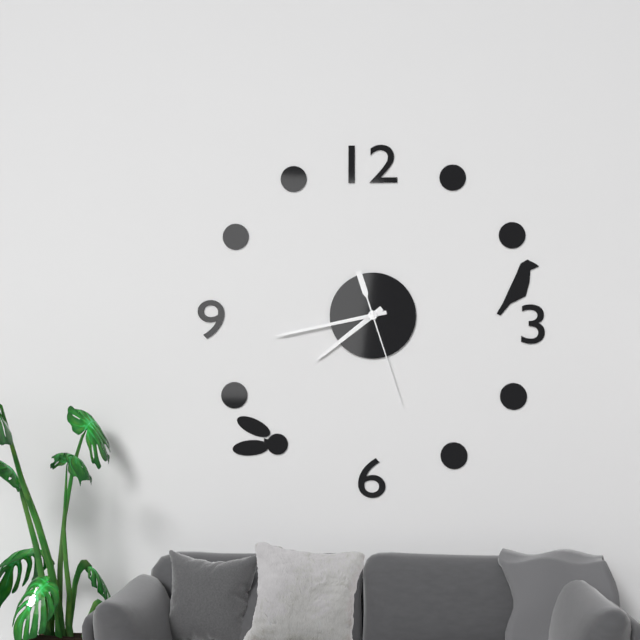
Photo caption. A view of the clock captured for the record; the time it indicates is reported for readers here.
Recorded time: 7:43:27
